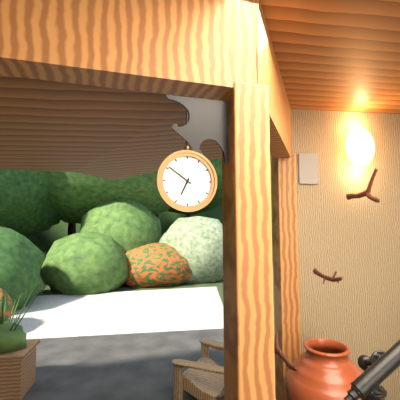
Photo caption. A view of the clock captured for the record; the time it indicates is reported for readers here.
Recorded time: 6:51
